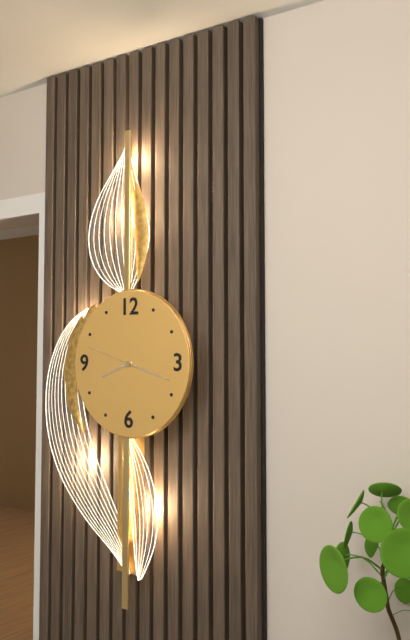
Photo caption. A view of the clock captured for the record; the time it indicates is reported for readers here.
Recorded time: 8:18:48
